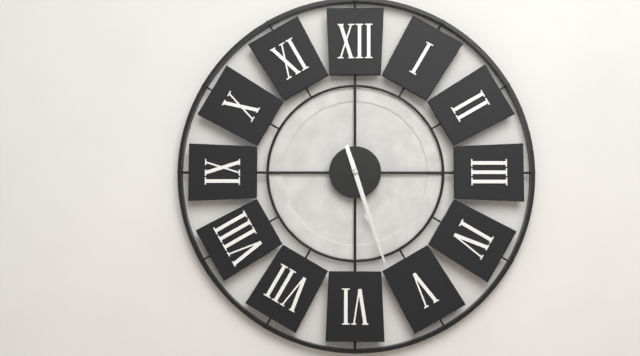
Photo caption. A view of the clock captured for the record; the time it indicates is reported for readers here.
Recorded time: 5:27
